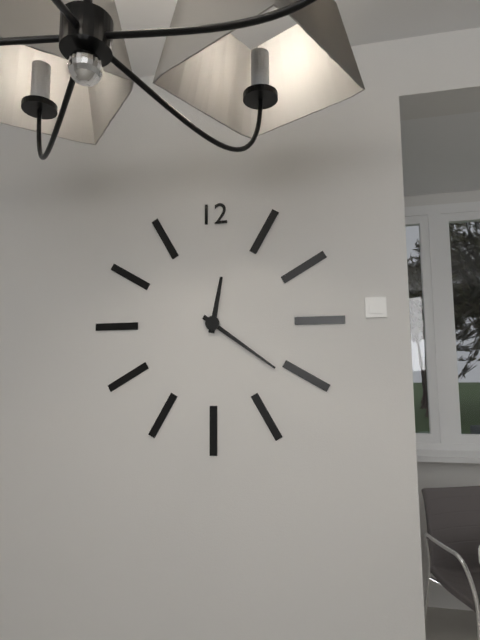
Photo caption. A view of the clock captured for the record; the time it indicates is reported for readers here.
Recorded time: 12:21
